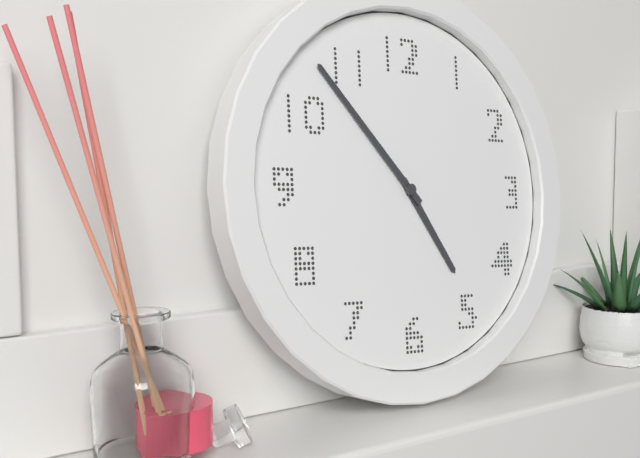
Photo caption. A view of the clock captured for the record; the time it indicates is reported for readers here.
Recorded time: 4:53
